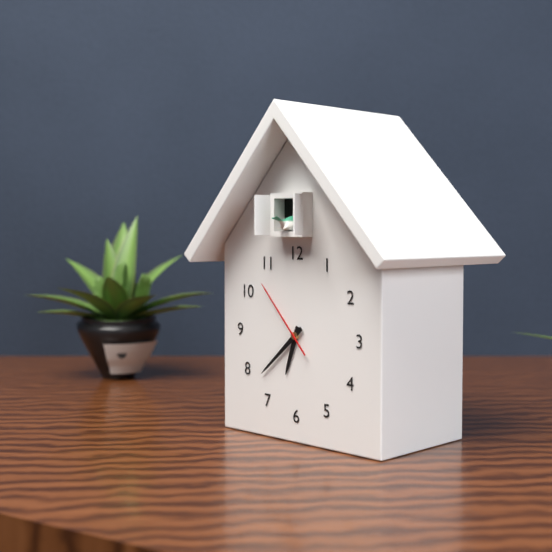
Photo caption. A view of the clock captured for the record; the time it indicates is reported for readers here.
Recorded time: 6:38:53
